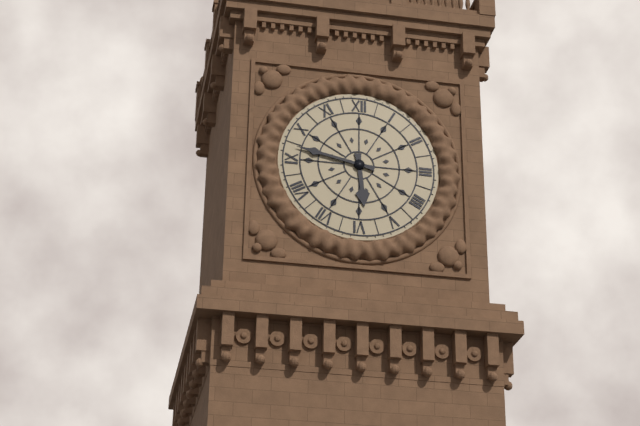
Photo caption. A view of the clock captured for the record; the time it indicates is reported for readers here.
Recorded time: 5:47
